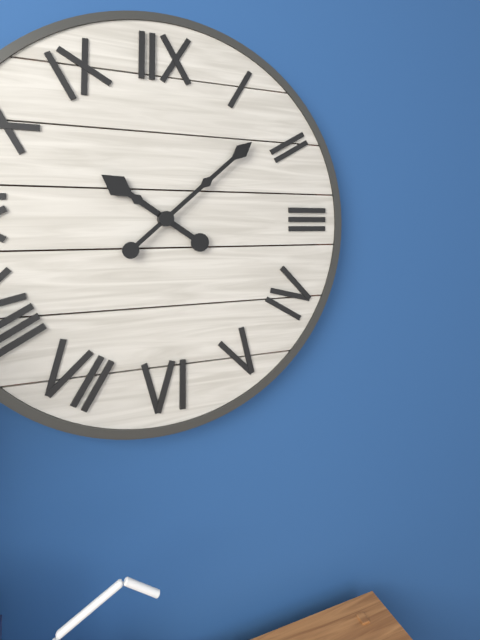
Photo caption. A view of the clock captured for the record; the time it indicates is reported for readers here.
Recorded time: 10:08
